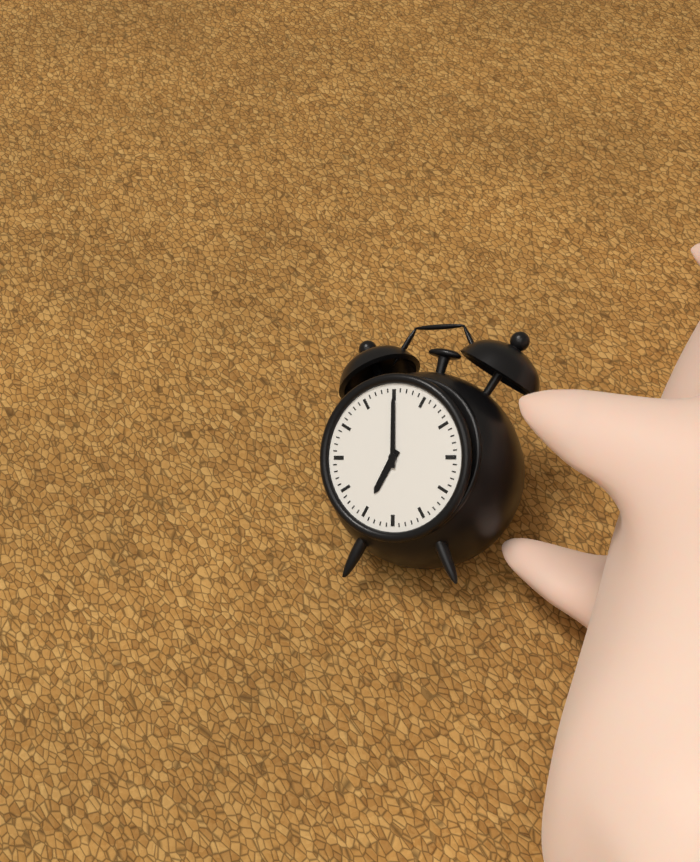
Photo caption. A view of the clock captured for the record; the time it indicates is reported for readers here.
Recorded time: 7:00
